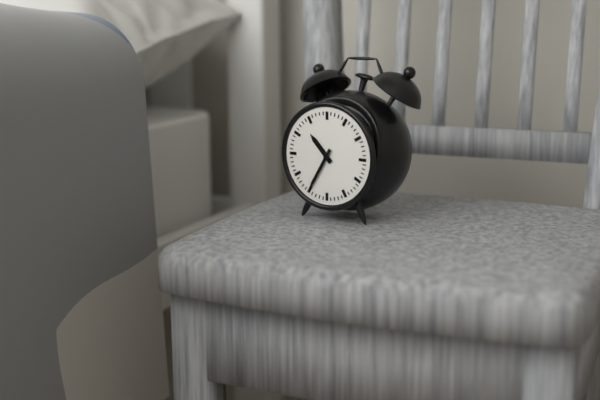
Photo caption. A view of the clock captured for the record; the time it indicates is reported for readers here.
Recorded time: 10:35
